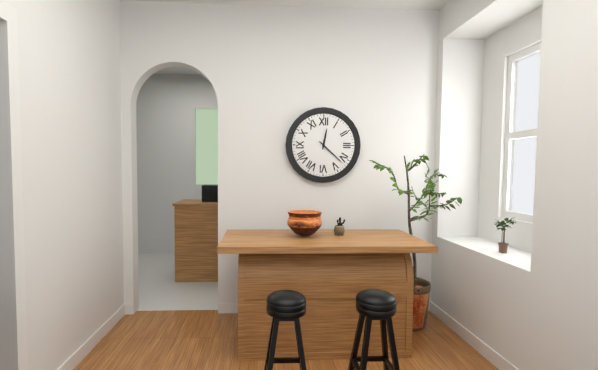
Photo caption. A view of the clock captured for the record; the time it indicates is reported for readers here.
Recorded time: 12:22
